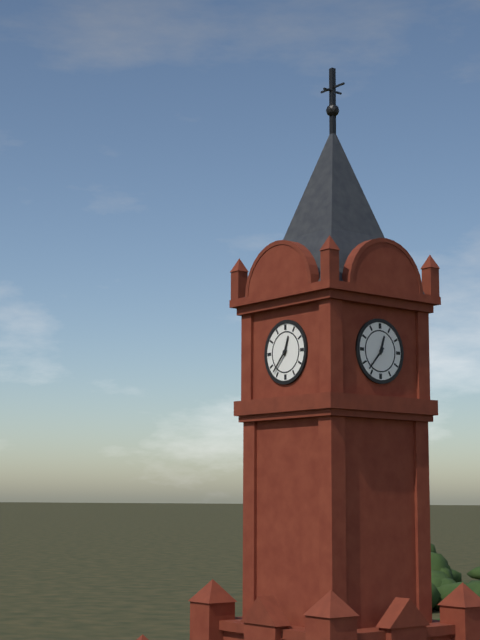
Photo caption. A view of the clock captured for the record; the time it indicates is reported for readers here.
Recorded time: 12:37
